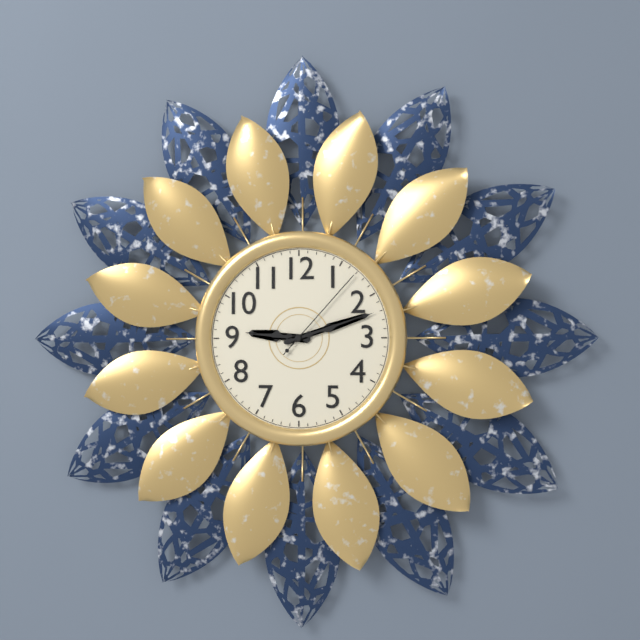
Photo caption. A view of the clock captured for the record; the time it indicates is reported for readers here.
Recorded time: 9:12:07
